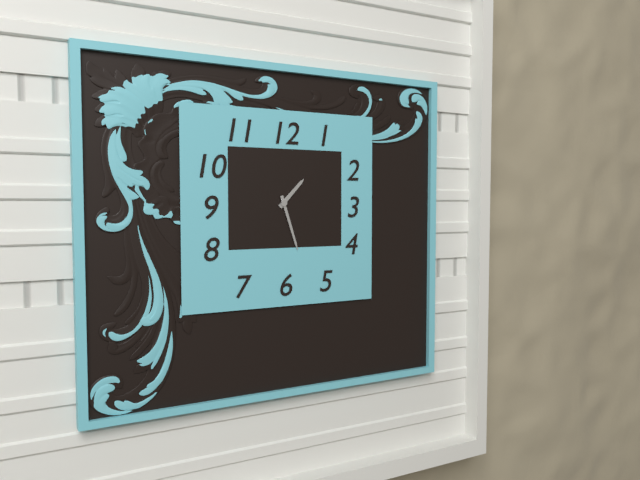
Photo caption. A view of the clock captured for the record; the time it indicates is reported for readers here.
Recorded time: 1:27
